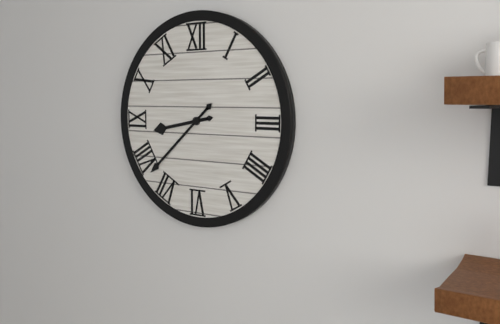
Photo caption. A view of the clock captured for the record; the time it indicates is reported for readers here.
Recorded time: 8:38
